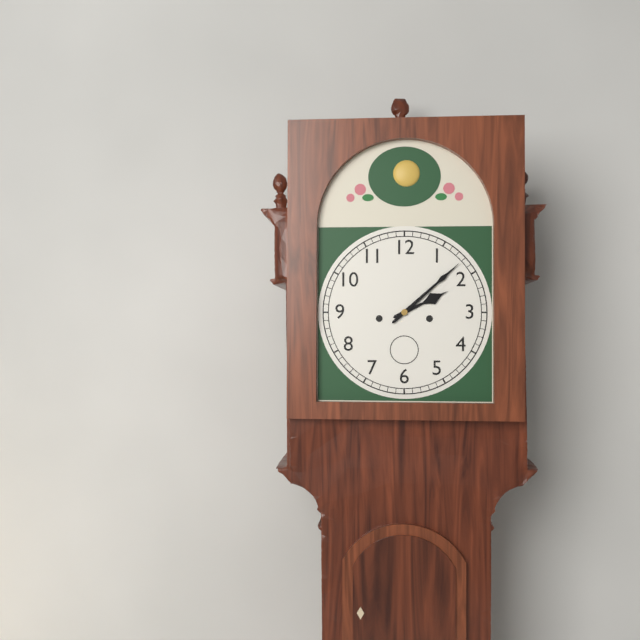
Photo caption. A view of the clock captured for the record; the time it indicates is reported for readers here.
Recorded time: 2:08
